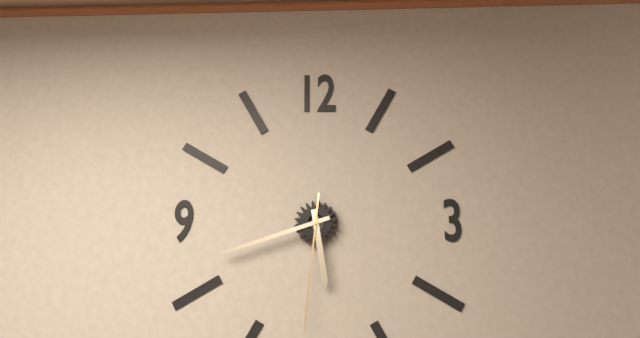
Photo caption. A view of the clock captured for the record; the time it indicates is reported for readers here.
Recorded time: 5:42:31
